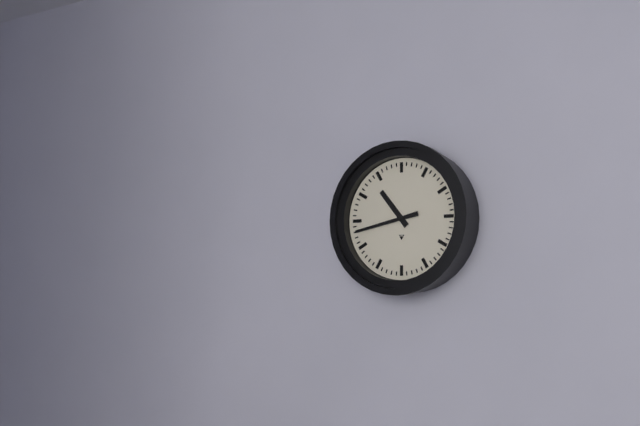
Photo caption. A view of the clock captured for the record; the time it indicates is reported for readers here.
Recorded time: 10:43
